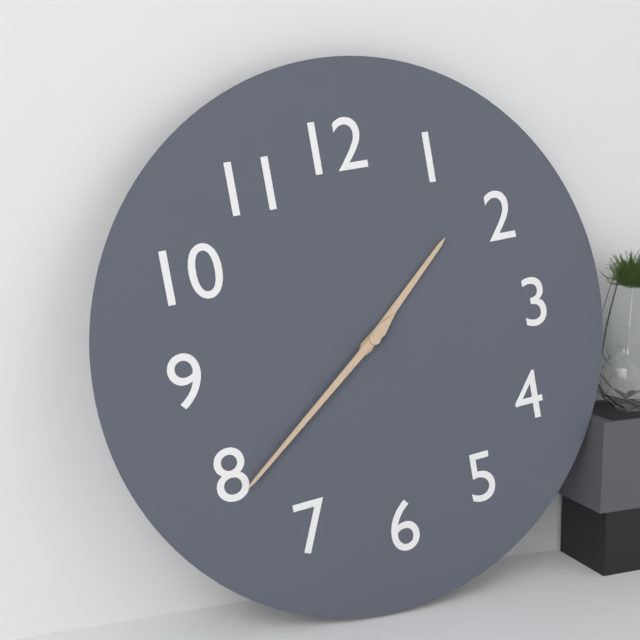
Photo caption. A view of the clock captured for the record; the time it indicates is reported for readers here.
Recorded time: 1:39
